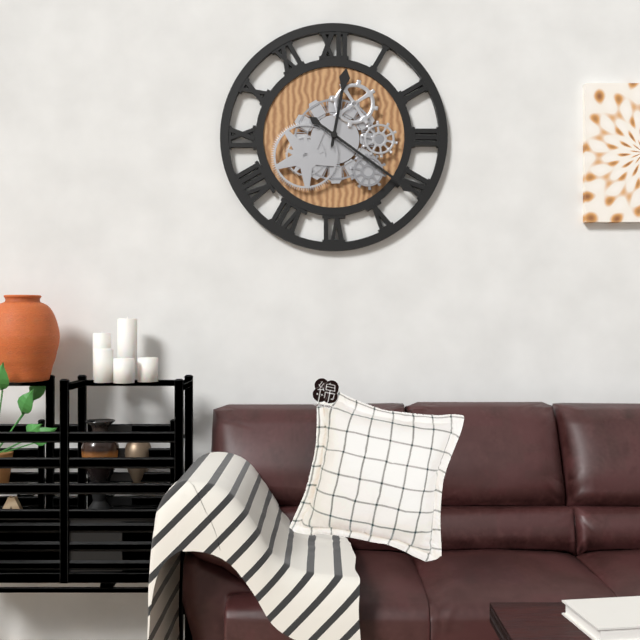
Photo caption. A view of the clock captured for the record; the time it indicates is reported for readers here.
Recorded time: 12:21
